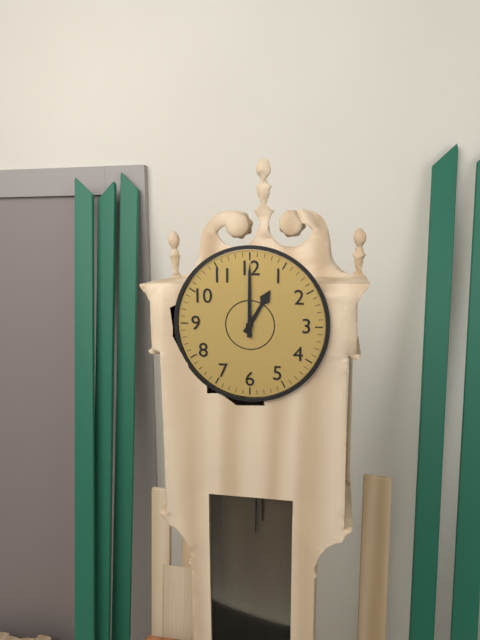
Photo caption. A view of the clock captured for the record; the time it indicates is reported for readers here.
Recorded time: 1:00
